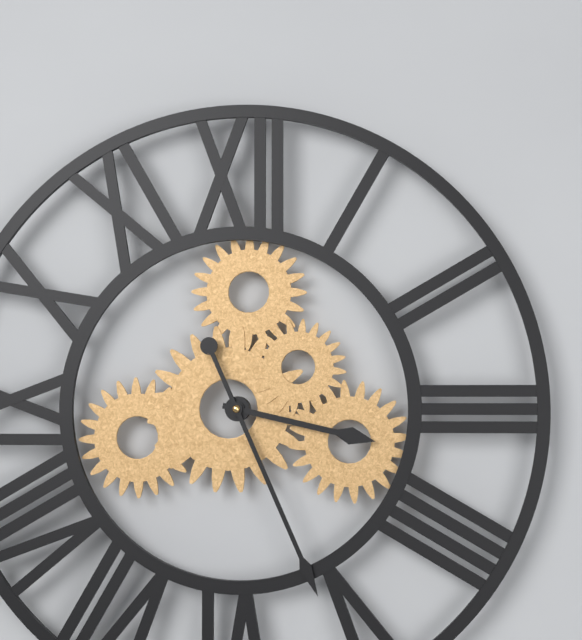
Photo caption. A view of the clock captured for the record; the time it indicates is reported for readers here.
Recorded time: 3:26
